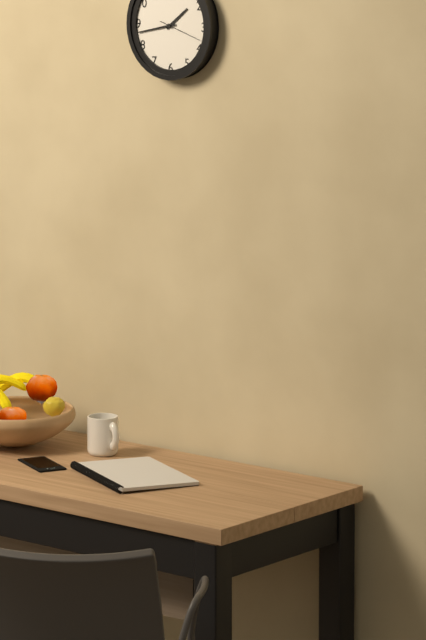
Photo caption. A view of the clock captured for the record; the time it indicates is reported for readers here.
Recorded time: 1:43
